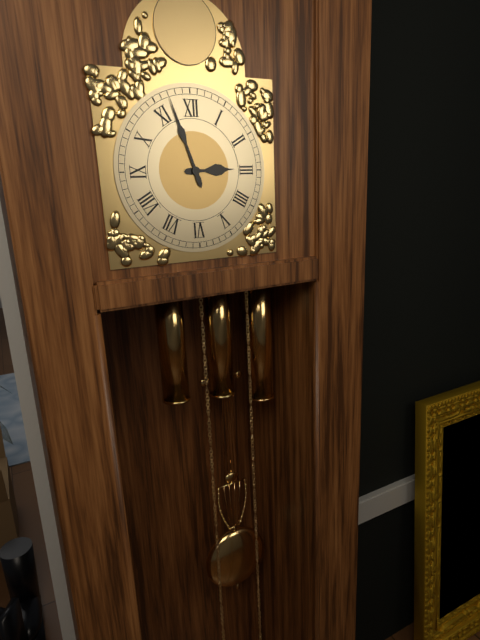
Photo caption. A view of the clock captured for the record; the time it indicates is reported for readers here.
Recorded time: 2:57
